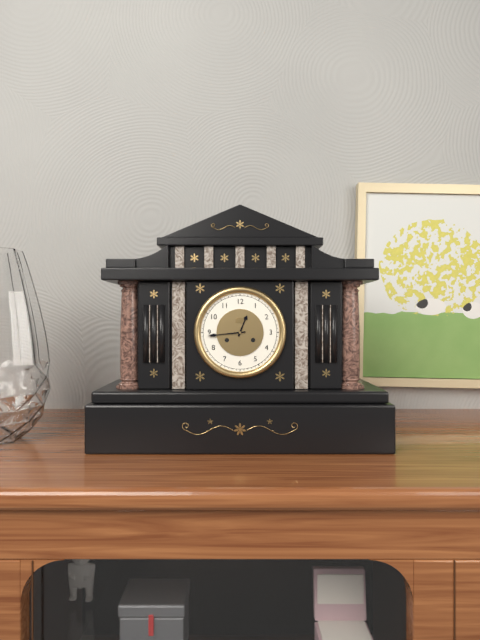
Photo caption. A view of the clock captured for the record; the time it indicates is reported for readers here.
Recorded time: 12:44
